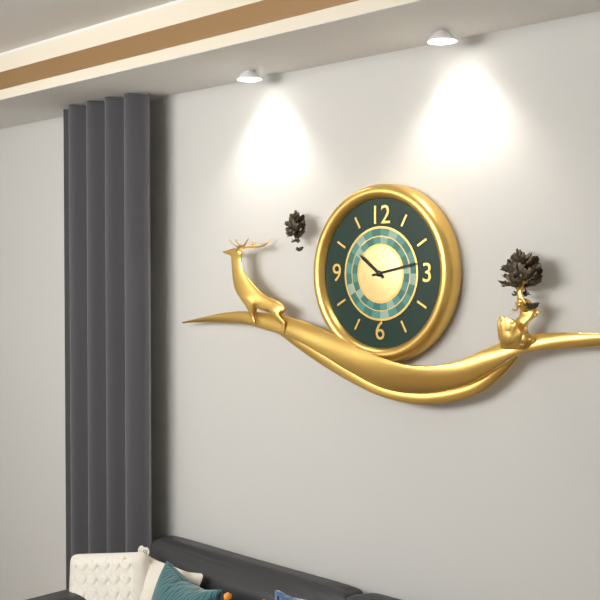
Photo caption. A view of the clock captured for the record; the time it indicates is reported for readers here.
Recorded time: 10:13
